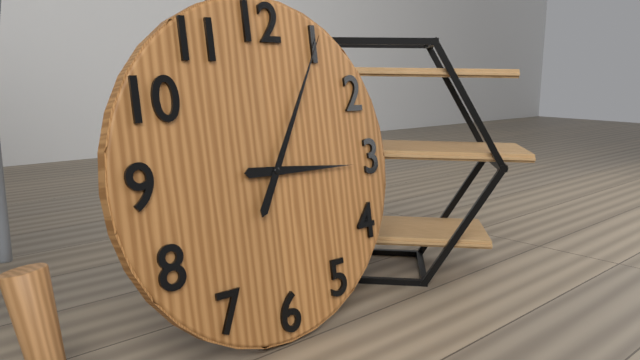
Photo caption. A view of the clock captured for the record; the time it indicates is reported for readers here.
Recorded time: 3:05
